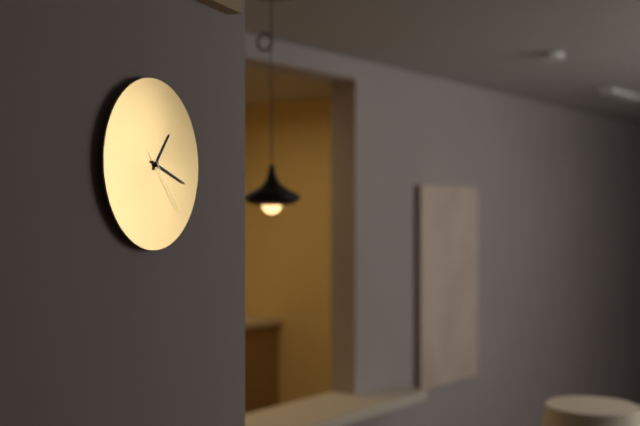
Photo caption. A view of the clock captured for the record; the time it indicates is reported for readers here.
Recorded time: 1:18:23
